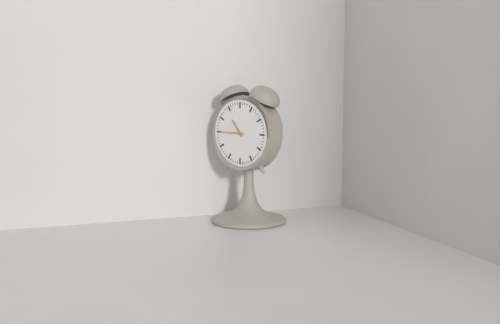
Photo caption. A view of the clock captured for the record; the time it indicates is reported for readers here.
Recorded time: 10:45
